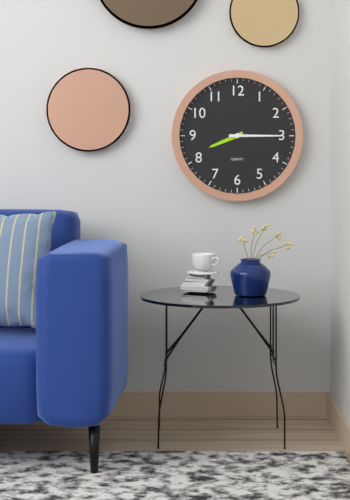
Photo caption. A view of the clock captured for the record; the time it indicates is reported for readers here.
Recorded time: 8:15
